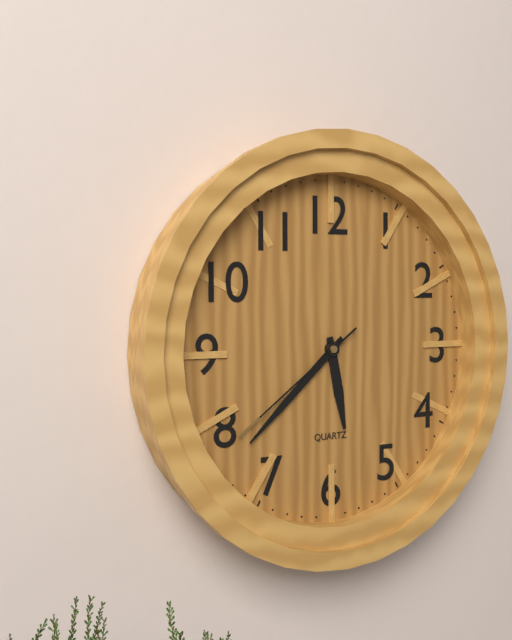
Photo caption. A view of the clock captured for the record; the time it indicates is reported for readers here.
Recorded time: 5:38:39
